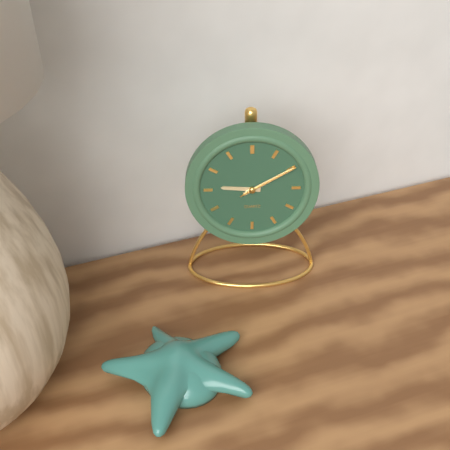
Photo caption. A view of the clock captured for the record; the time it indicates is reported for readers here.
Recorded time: 9:10:10
